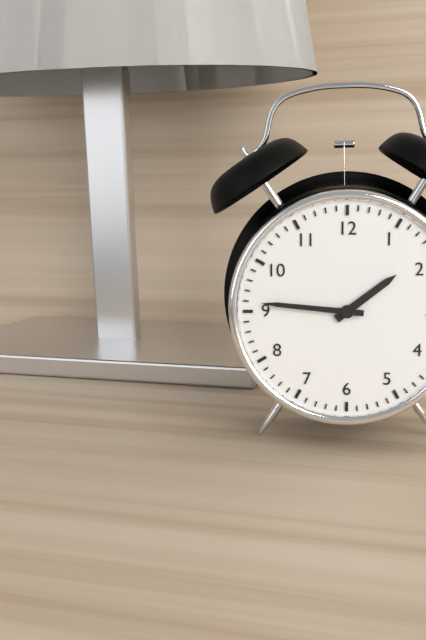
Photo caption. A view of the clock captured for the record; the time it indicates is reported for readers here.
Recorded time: 1:46
